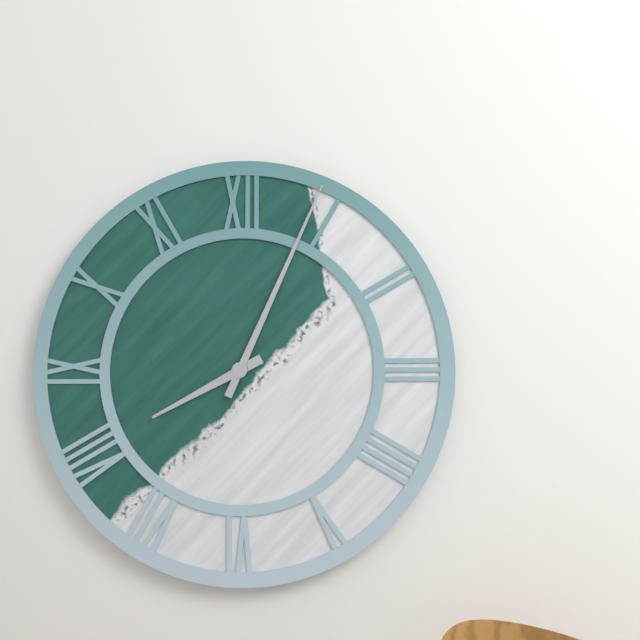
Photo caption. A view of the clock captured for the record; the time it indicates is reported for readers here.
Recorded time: 8:04
